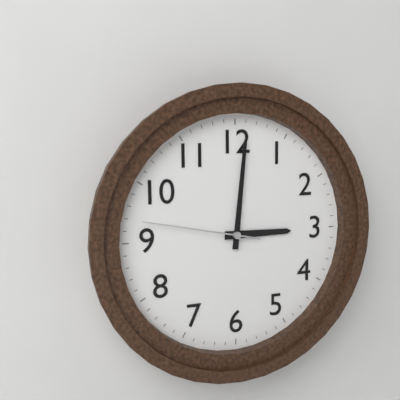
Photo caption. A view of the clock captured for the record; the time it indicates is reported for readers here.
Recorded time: 3:01:47
